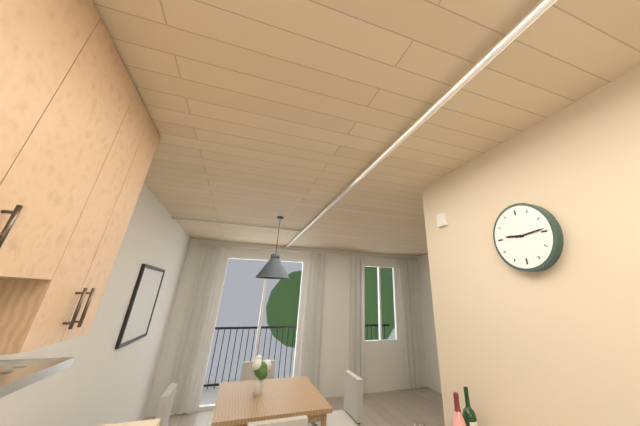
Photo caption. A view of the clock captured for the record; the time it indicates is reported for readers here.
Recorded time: 9:14
